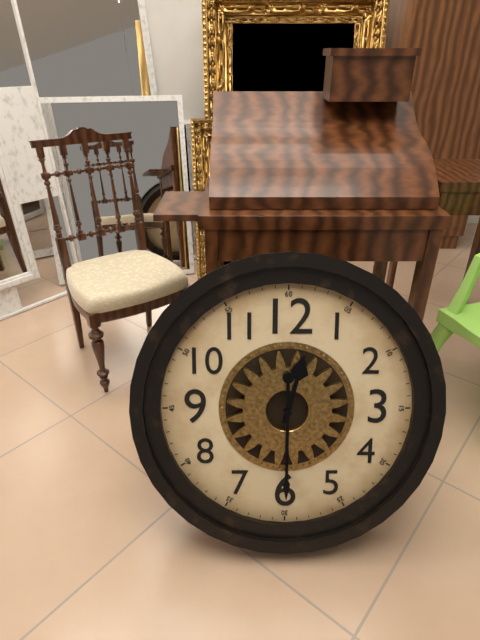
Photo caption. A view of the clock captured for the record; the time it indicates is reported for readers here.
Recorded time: 12:30
